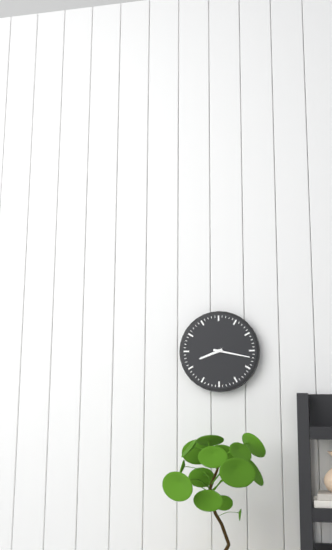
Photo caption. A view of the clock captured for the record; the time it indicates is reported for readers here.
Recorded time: 8:17
